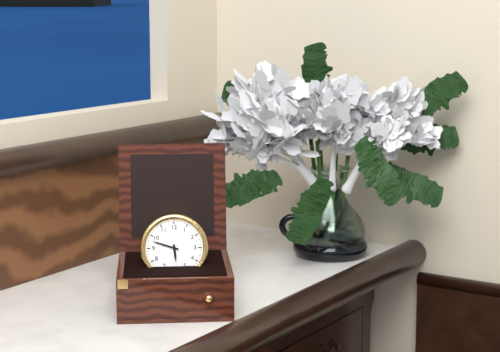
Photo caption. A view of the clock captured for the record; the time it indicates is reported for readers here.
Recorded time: 5:48
